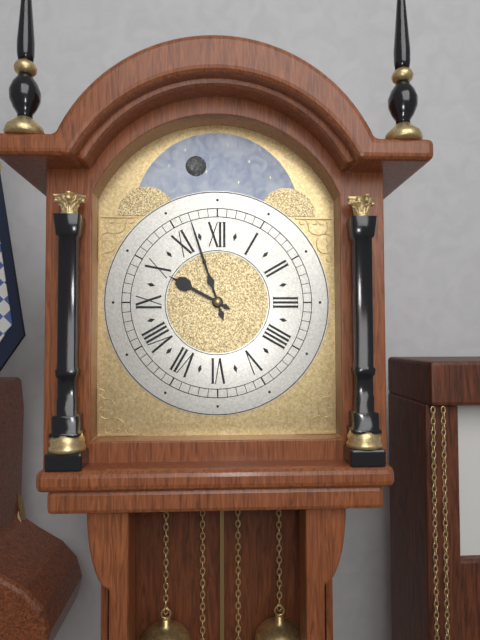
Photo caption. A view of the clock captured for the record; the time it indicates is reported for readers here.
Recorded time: 9:57
